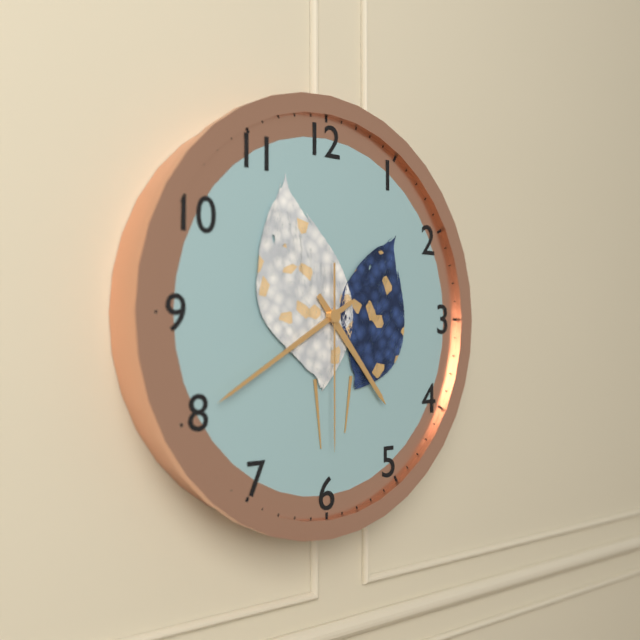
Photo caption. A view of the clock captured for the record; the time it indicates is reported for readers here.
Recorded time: 4:40:30
